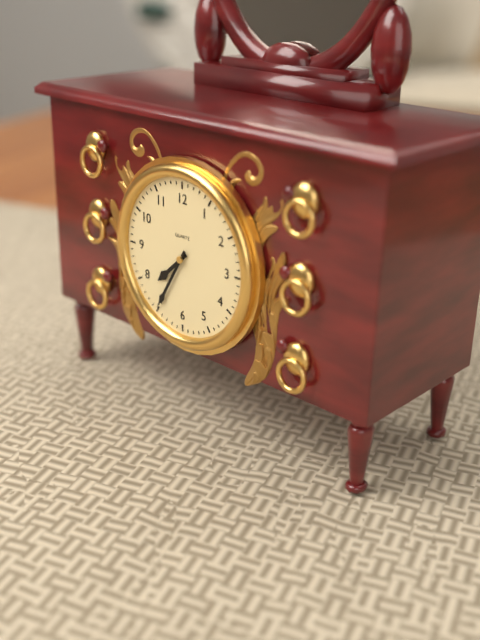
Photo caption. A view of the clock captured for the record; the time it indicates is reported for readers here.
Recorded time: 7:35
